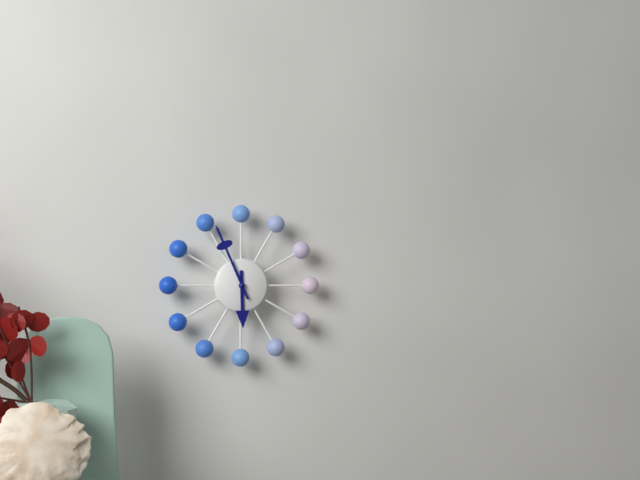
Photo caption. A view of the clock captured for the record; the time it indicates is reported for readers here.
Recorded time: 5:56
